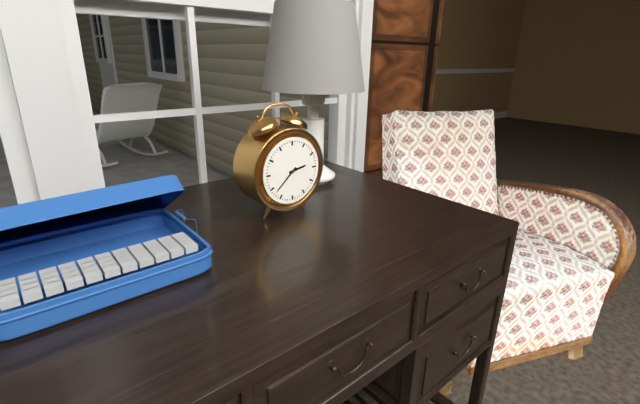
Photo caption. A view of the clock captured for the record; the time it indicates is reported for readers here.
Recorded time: 2:38
